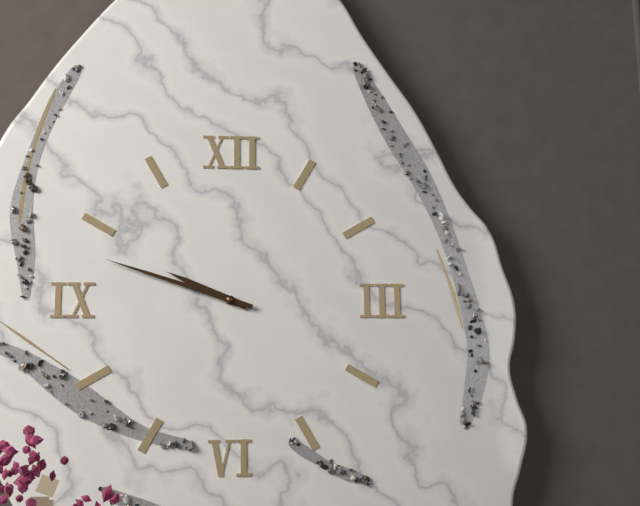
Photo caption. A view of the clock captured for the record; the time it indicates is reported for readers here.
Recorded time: 9:48
